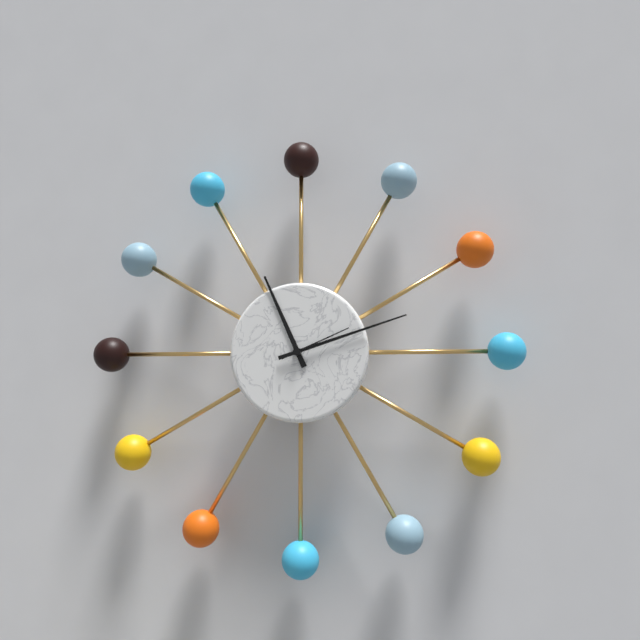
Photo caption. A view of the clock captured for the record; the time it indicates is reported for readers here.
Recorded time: 11:12:11
